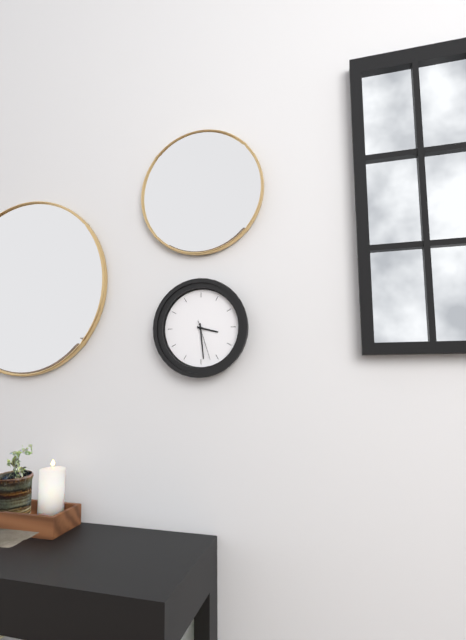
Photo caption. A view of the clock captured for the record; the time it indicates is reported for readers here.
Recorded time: 3:29
